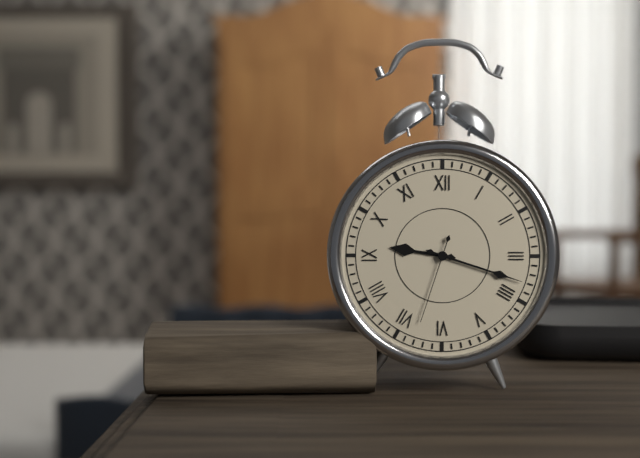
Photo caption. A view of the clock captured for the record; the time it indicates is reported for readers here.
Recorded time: 9:18:33
